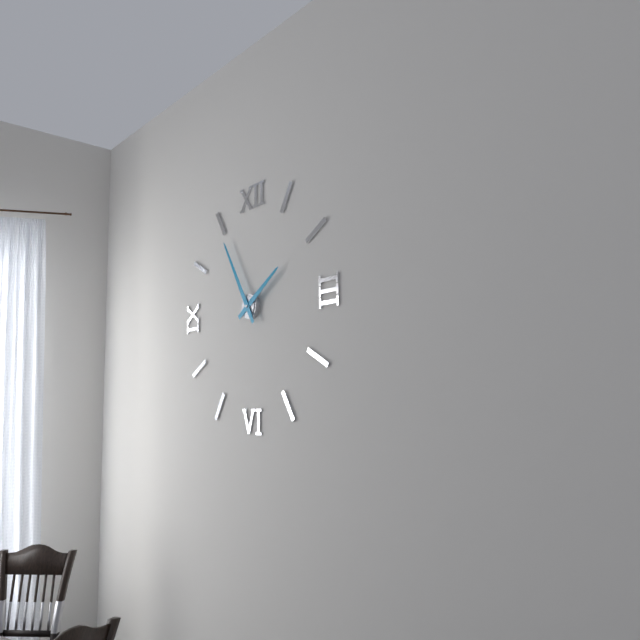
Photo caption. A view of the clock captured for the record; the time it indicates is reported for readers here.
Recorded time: 1:55
